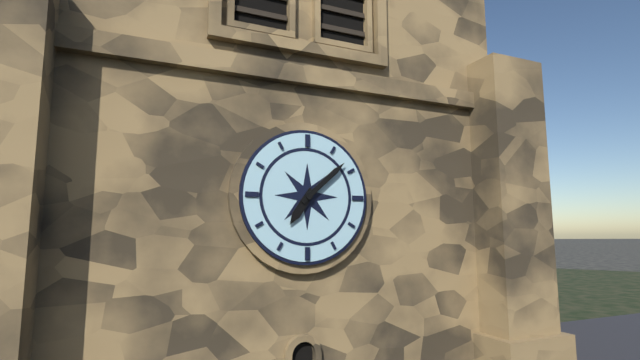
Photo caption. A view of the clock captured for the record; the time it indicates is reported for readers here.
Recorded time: 7:08
